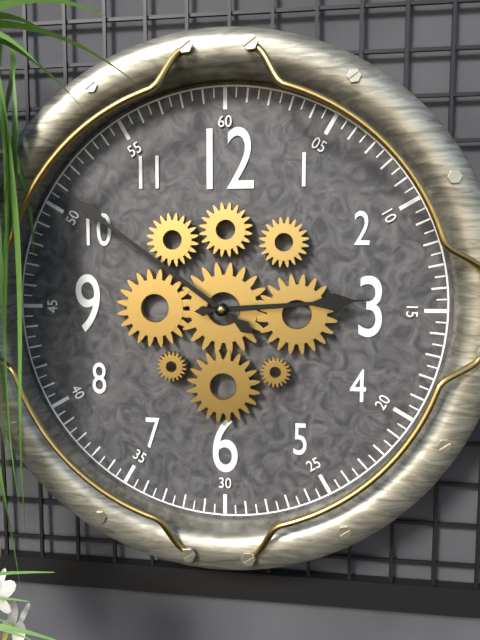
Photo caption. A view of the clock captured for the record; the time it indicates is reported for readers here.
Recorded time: 2:51
